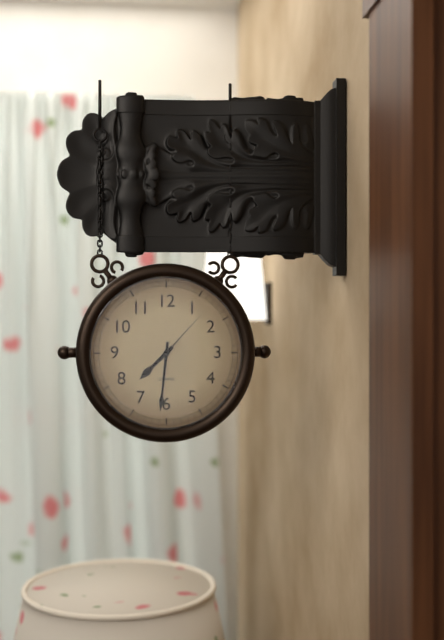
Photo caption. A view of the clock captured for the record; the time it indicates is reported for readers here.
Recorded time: 7:31:07
